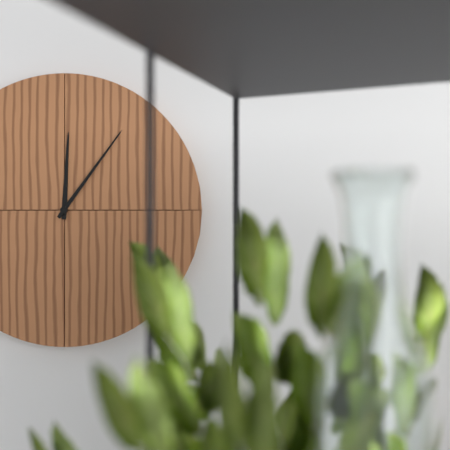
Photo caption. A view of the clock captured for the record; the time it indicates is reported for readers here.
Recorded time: 12:06
